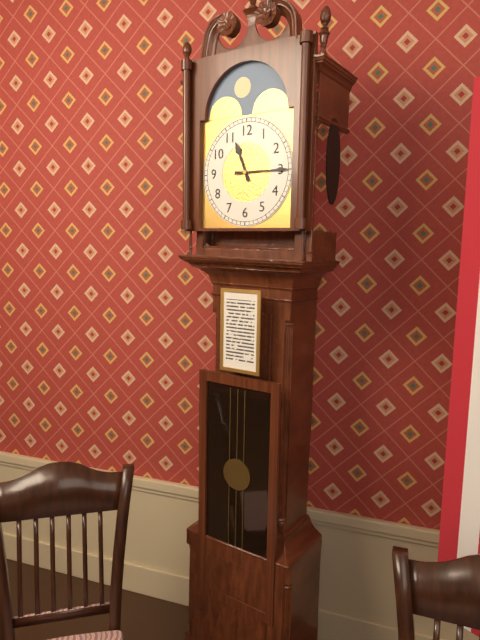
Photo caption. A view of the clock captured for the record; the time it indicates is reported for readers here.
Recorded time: 11:15
